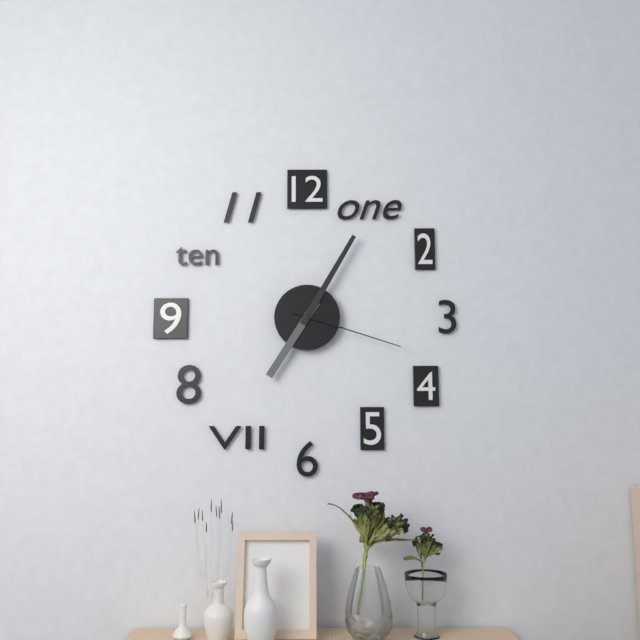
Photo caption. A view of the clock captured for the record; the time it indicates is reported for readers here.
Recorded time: 7:05:18
